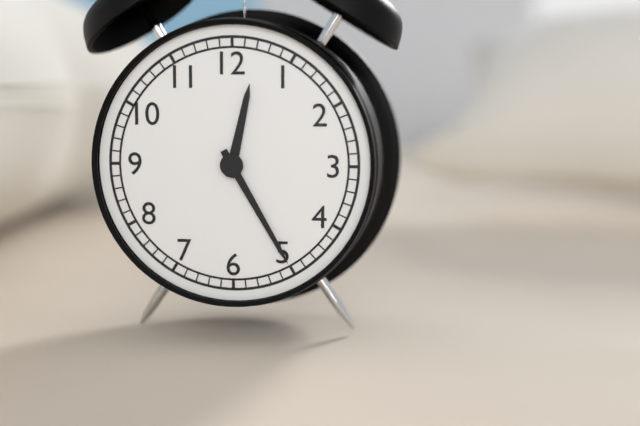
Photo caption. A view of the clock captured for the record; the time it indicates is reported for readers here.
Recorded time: 12:25
